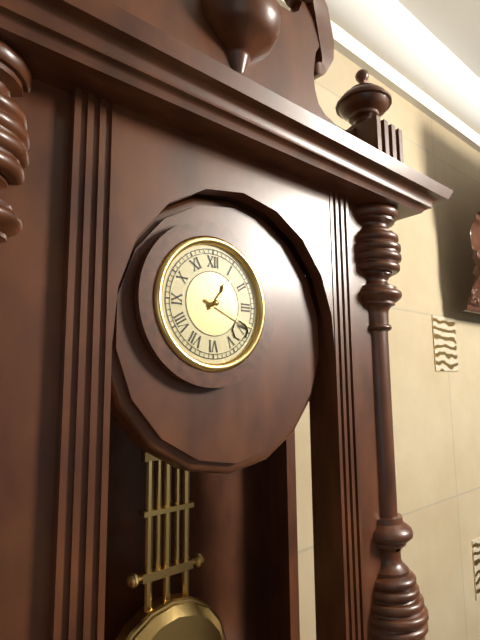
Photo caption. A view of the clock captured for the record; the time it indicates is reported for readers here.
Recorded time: 1:19
